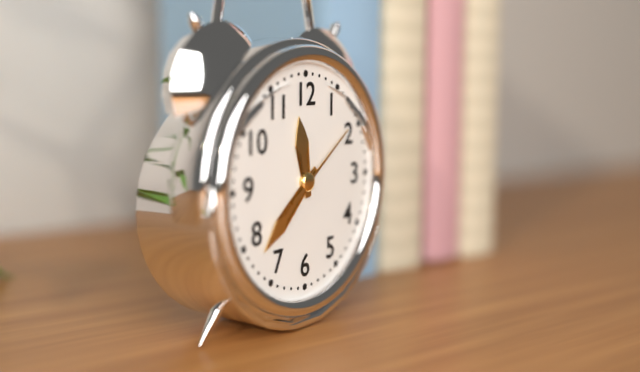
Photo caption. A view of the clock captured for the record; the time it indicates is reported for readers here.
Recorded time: 11:38:09
